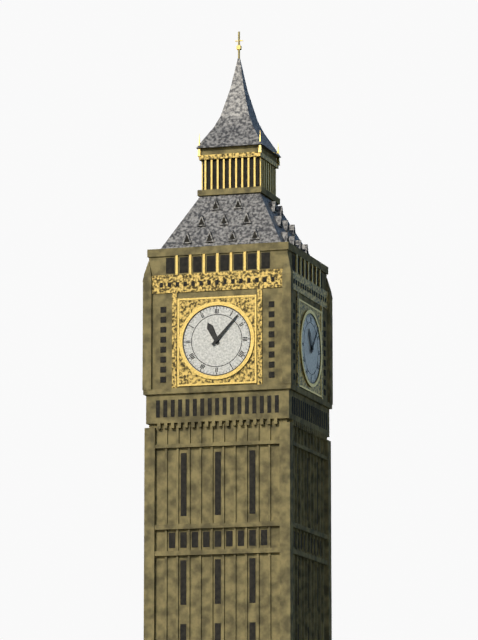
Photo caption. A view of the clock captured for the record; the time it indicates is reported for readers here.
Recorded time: 11:07
